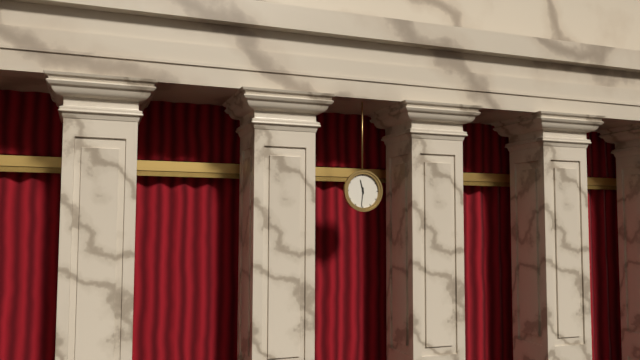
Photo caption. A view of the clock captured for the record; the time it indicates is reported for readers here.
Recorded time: 11:31
